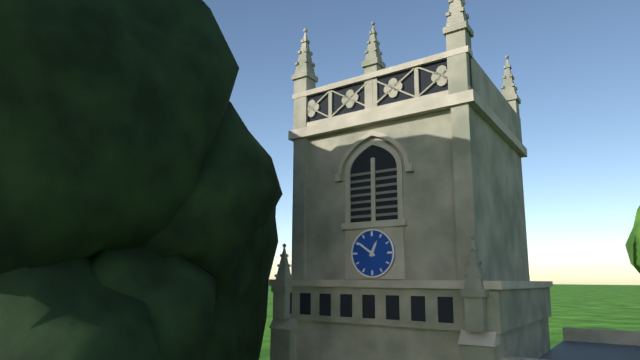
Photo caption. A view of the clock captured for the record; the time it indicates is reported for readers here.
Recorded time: 12:51
